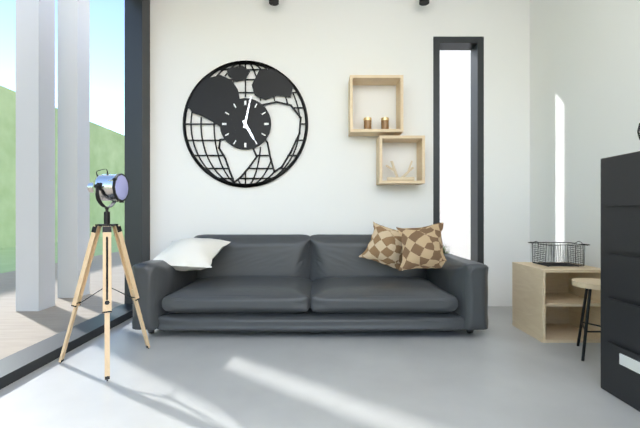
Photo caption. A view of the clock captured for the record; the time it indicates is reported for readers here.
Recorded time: 5:02
